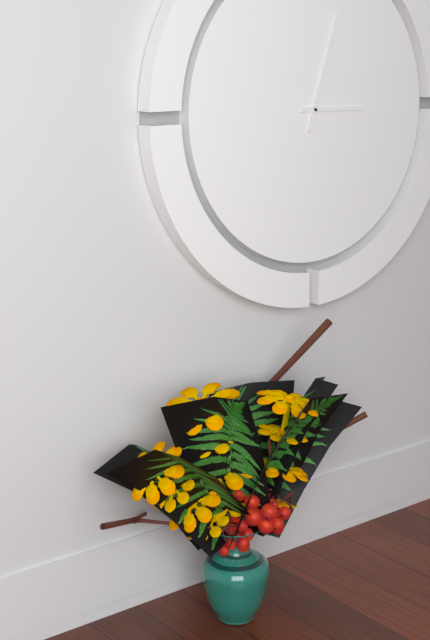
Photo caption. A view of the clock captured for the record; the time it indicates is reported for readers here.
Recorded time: 3:03
